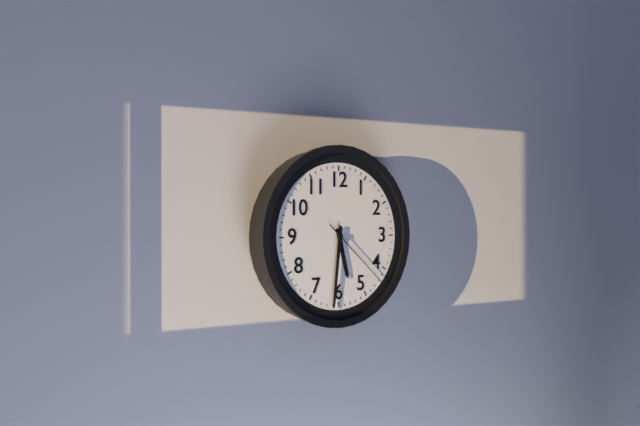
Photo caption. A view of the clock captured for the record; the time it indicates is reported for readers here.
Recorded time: 5:31:22
